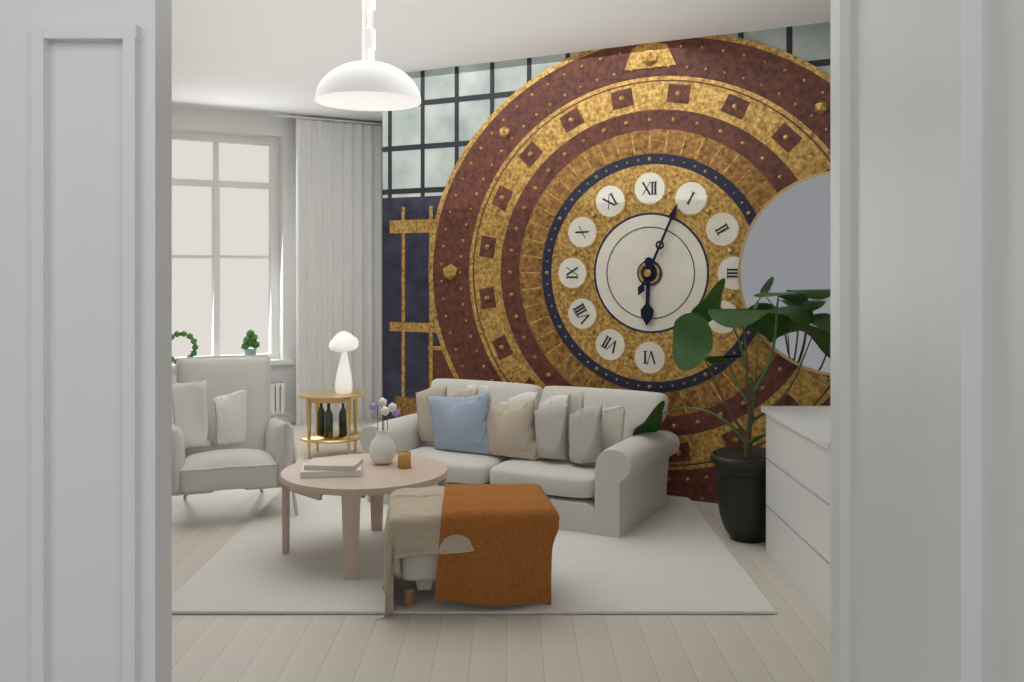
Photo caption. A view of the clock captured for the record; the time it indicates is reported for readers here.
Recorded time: 6:04
